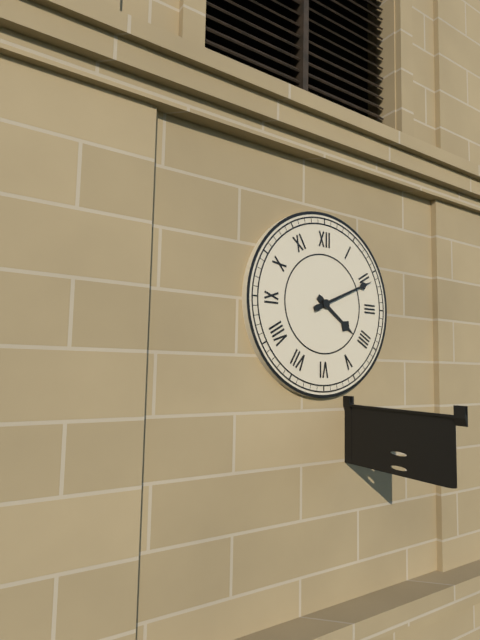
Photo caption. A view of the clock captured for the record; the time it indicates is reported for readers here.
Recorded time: 4:11
